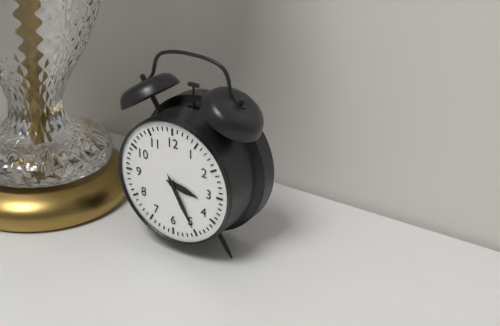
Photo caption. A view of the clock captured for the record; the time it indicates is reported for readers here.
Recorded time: 3:25
